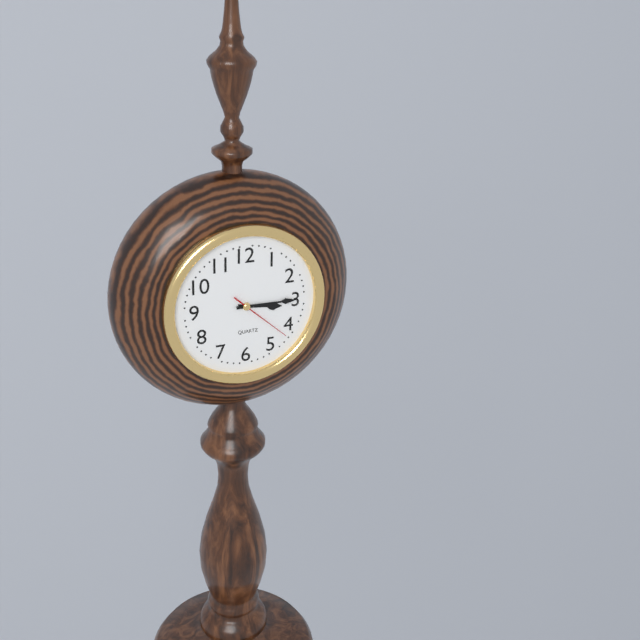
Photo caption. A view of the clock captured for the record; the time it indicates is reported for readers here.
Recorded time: 3:15:22
